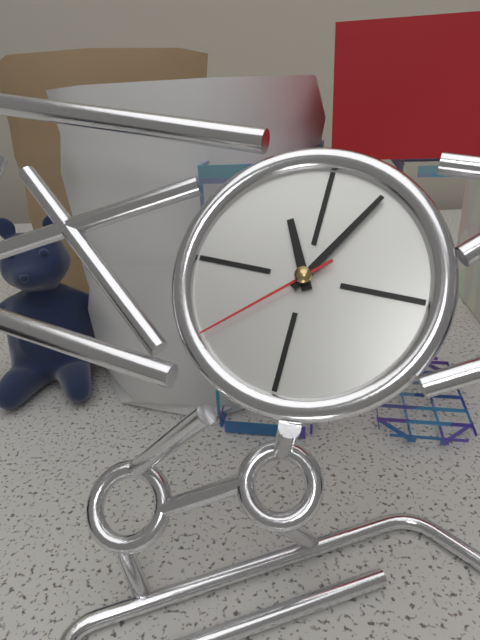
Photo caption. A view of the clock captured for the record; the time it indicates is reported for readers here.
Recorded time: 11:05:38
